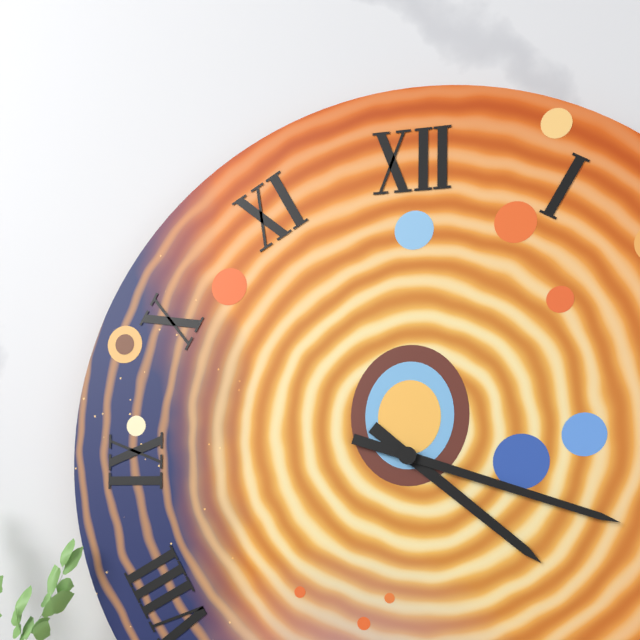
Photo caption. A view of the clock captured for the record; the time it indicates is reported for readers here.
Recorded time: 4:18
